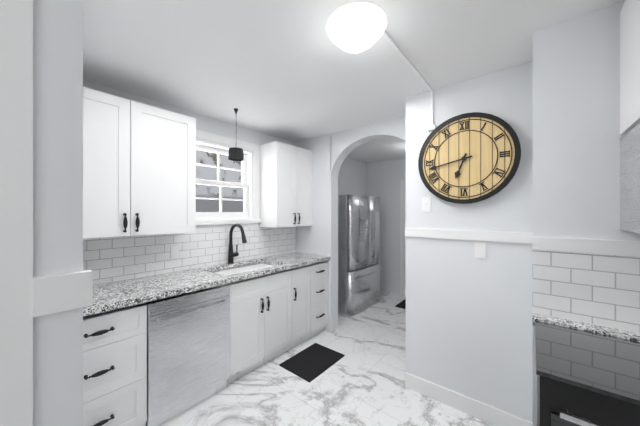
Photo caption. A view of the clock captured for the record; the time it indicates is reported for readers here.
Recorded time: 6:43
